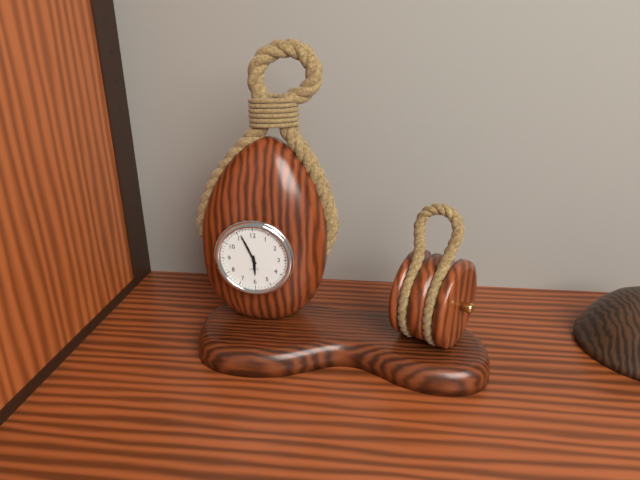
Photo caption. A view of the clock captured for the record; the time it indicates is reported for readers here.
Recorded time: 5:56
